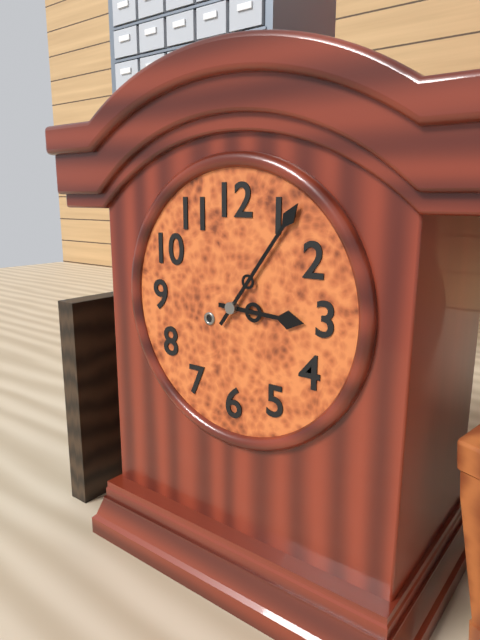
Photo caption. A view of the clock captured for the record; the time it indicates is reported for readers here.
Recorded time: 3:06
